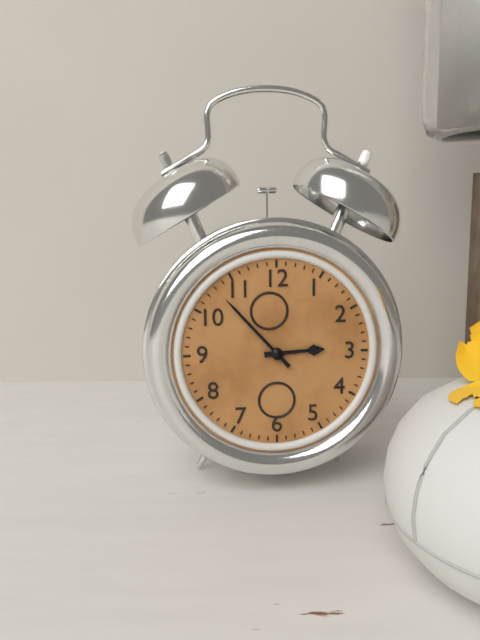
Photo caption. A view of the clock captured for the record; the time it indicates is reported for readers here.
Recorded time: 2:53
